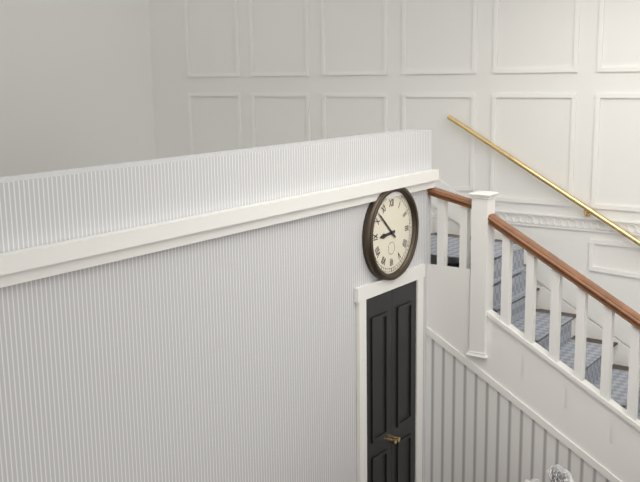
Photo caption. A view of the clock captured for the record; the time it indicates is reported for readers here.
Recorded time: 8:52
